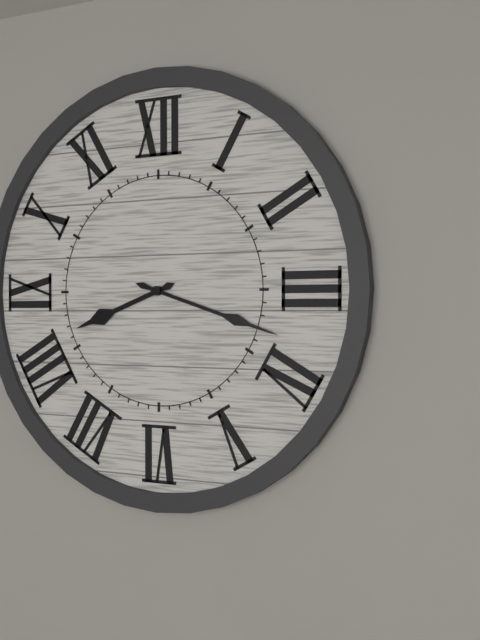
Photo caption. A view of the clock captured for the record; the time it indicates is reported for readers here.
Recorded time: 8:18
